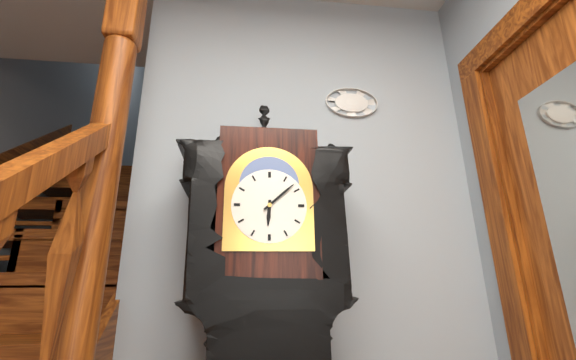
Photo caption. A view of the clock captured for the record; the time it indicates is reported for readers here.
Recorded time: 6:08
